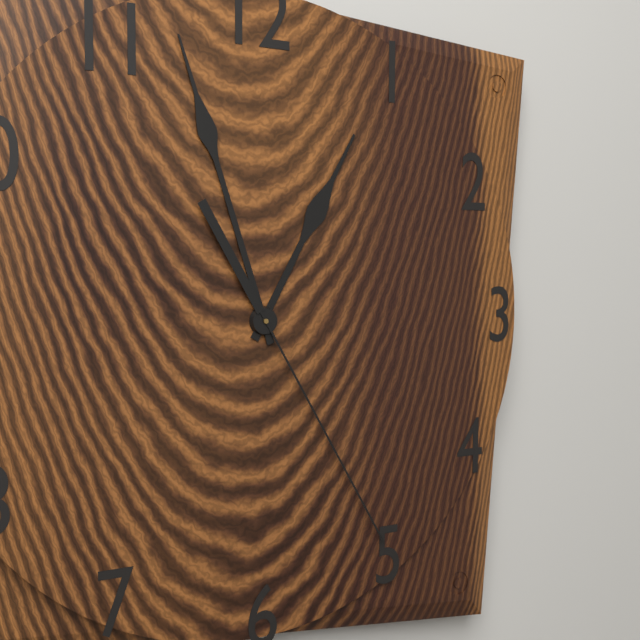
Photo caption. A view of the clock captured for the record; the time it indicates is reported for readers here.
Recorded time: 12:57:25
